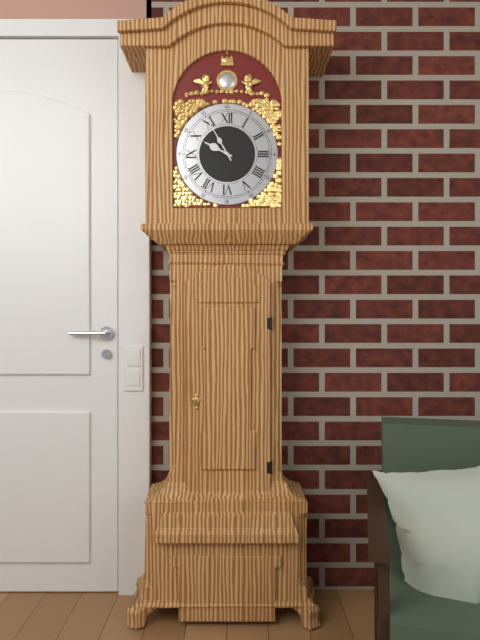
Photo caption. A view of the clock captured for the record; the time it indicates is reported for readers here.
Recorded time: 9:55
